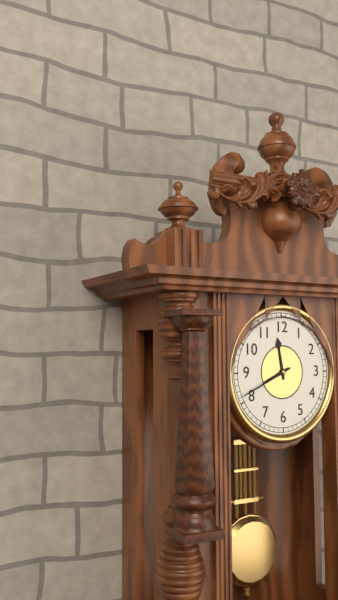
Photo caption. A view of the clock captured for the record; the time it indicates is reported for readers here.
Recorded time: 11:41
